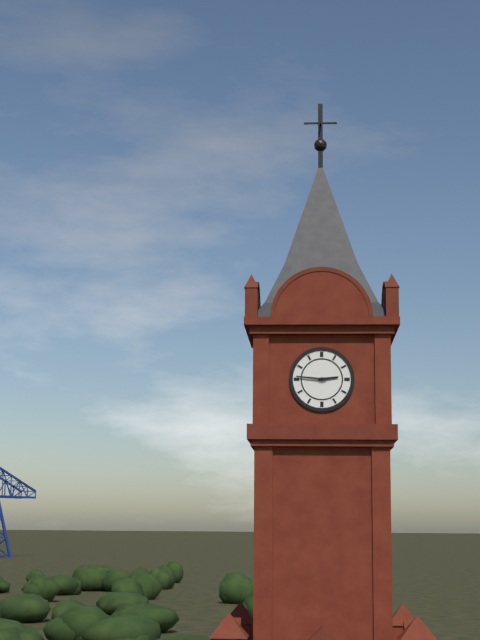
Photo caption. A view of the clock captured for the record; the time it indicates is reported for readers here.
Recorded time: 2:46
